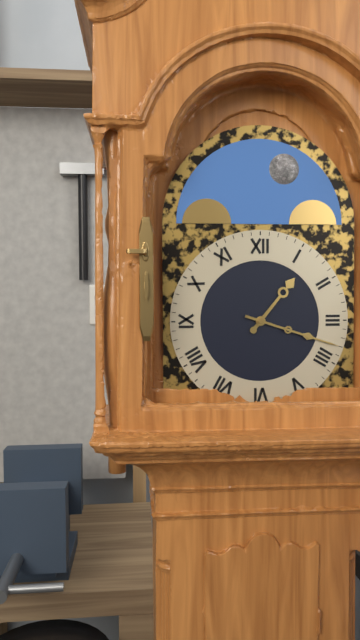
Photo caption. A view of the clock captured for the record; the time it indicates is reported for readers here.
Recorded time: 1:18
